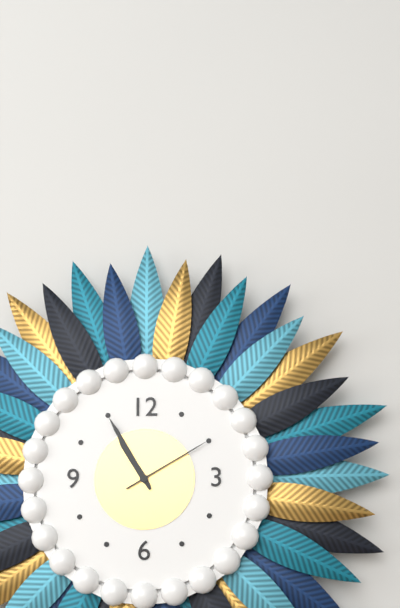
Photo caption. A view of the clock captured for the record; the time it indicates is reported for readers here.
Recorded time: 10:55:10
